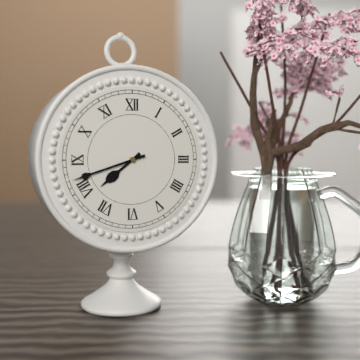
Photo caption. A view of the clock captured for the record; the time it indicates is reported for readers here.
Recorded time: 7:42
